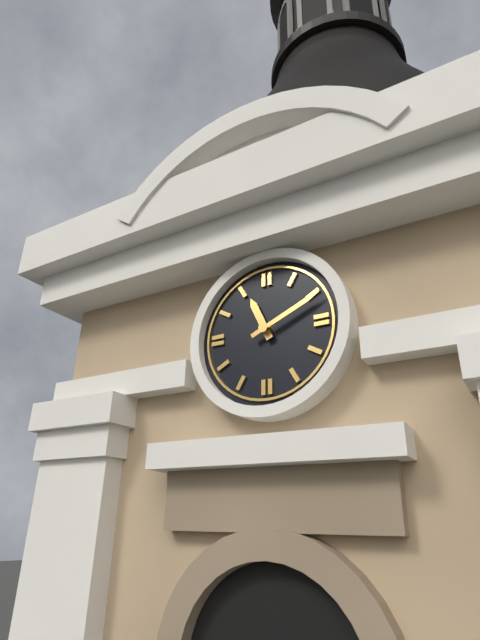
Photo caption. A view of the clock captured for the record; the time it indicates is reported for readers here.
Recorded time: 11:11
